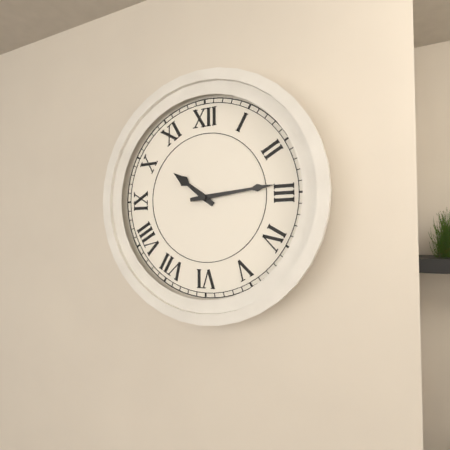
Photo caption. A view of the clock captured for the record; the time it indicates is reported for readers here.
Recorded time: 10:14
